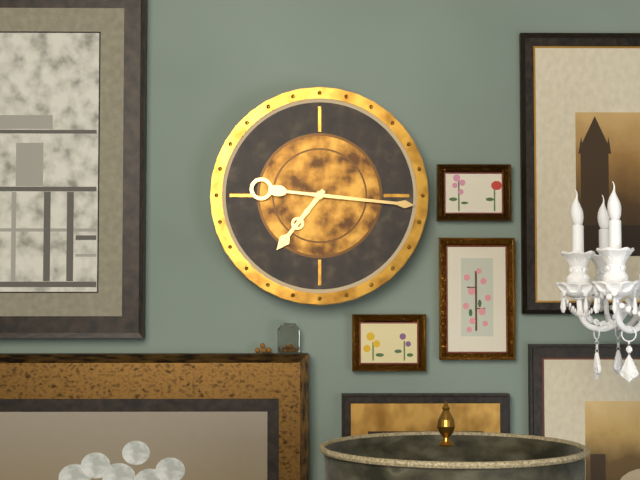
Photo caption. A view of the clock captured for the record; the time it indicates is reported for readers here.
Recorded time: 7:16
